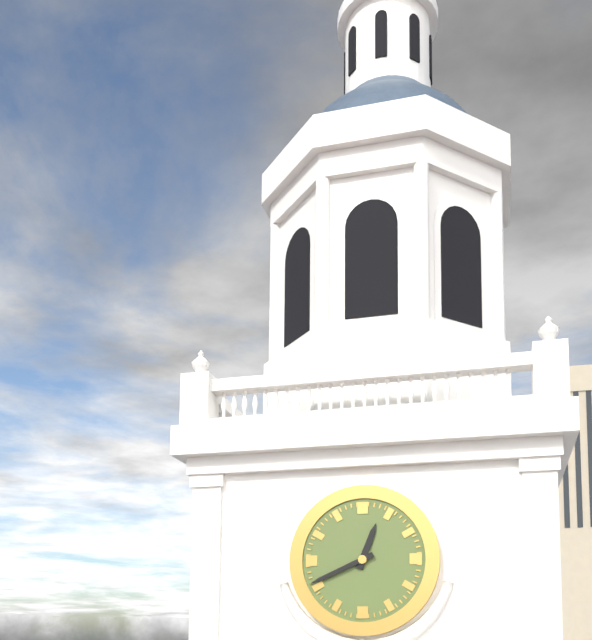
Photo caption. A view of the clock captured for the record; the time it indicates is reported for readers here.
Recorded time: 12:41
